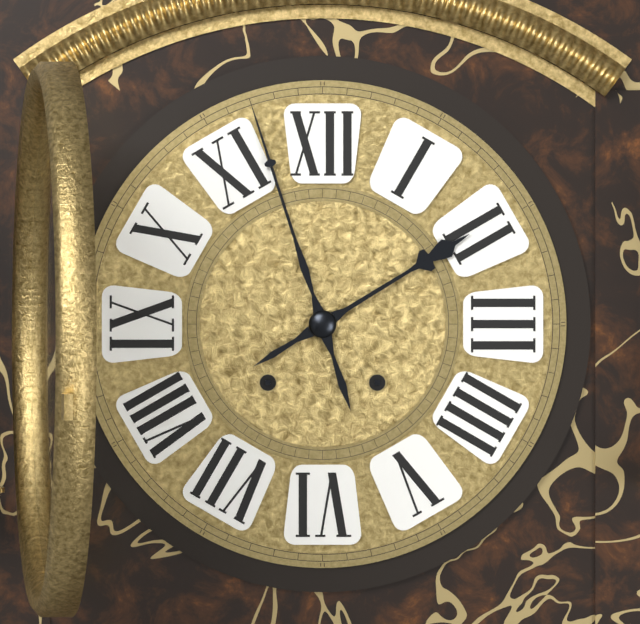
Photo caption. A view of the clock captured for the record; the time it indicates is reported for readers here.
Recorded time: 1:57
